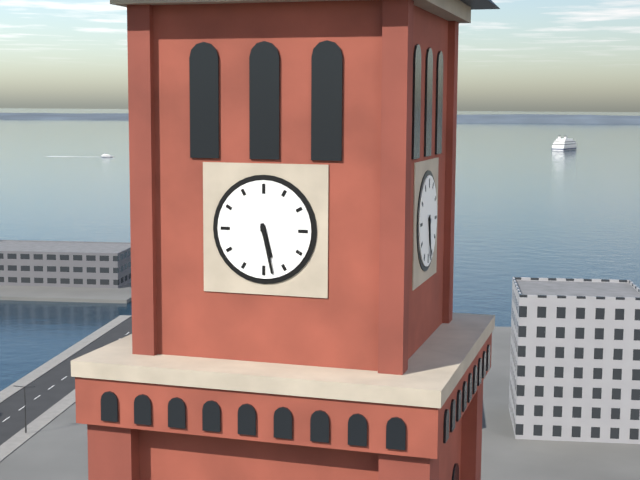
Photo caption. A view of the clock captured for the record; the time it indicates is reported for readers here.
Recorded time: 5:28
